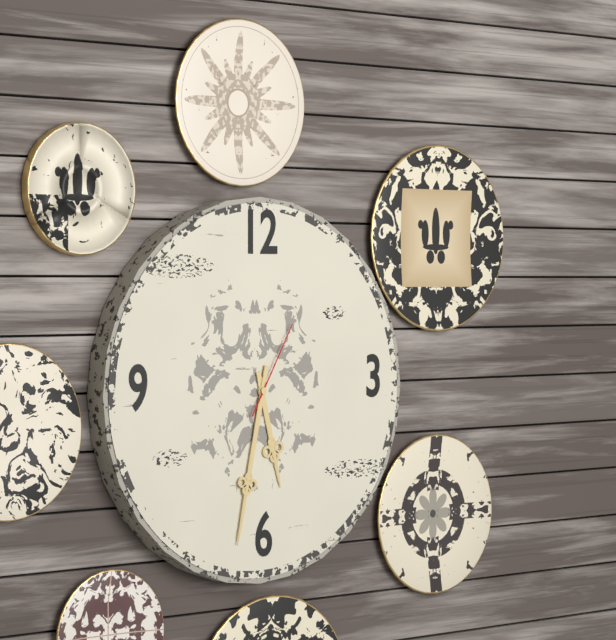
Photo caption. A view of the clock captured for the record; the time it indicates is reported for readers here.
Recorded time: 5:32:05
